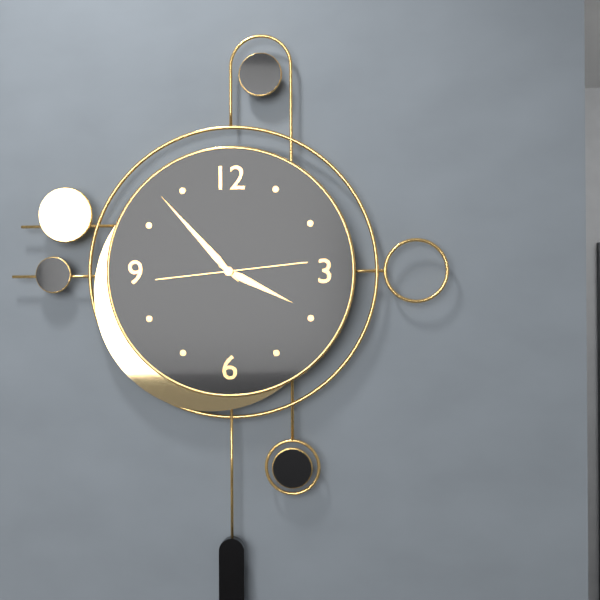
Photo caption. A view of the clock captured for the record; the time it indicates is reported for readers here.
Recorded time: 3:53:14
